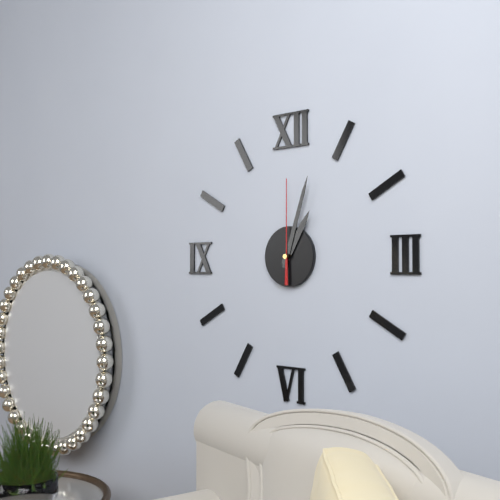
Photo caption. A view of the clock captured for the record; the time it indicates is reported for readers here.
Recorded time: 1:03:00
